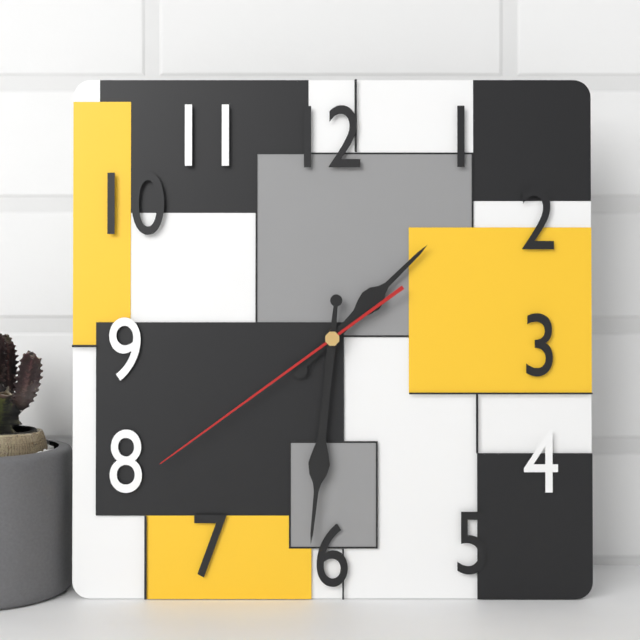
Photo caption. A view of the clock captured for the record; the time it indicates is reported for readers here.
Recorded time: 1:31:39
